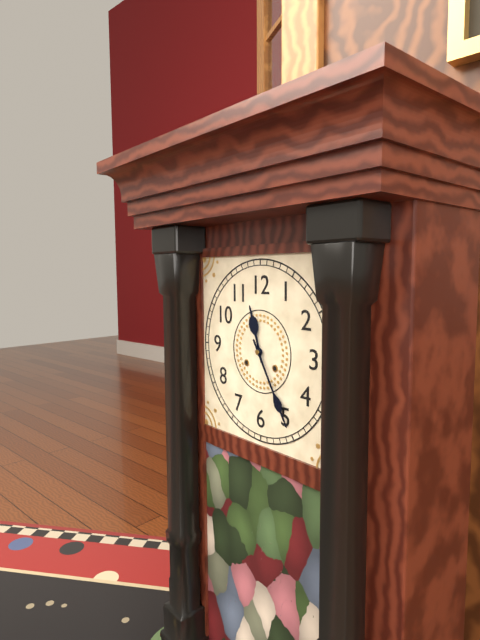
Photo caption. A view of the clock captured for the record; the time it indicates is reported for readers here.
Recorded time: 11:25
